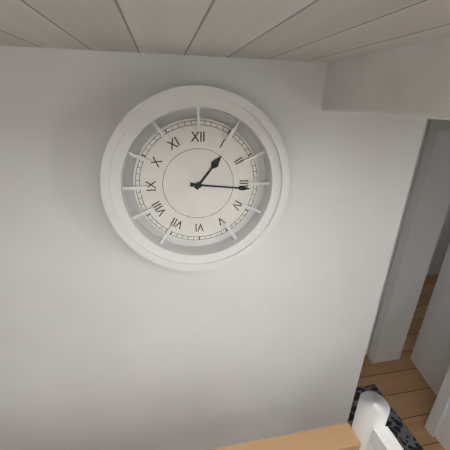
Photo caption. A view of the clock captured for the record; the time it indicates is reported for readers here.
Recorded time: 1:16
